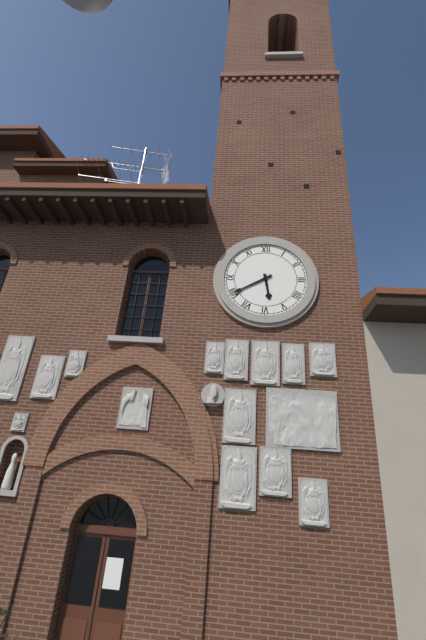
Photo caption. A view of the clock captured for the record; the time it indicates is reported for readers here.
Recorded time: 5:40
